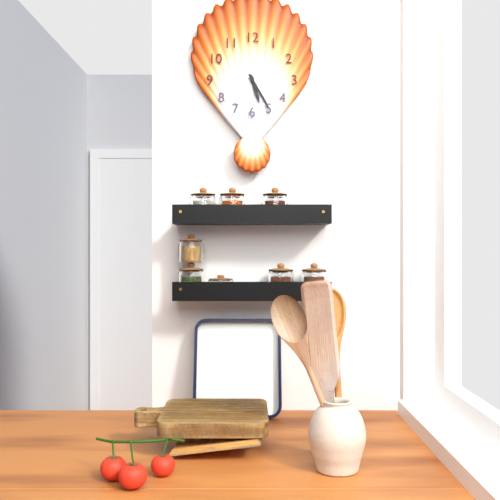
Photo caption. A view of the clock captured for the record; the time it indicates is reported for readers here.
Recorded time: 5:25
